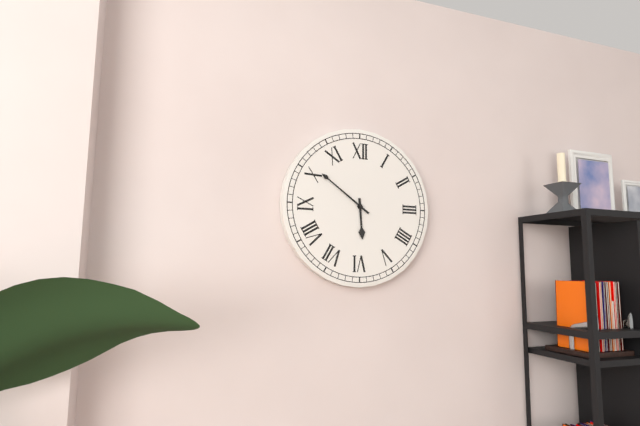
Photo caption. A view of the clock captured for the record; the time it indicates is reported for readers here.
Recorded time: 5:51
